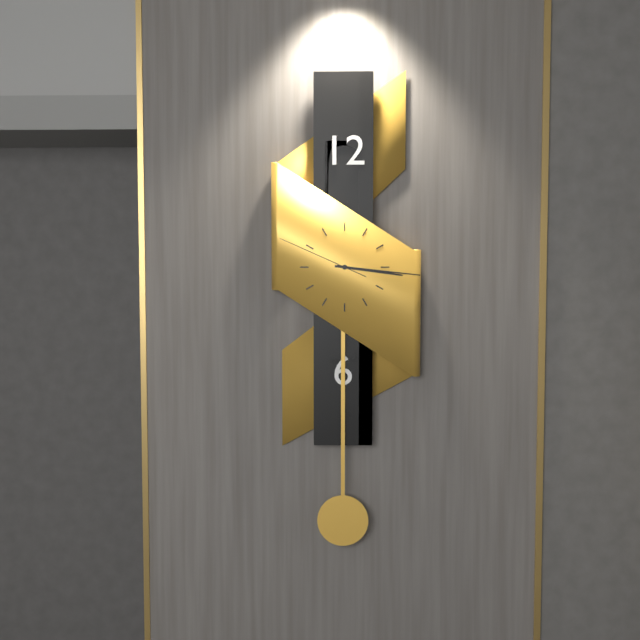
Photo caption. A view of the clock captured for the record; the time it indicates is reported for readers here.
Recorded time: 3:16:49
